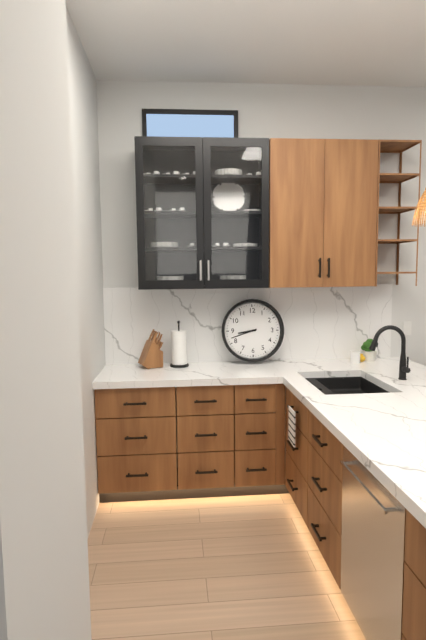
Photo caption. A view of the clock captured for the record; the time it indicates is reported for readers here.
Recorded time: 8:42
